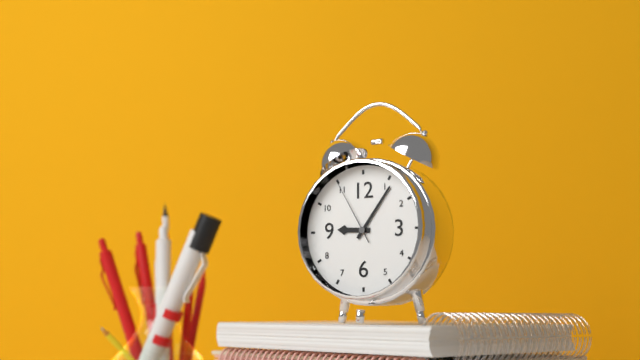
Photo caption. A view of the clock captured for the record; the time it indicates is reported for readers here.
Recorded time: 9:06:55
